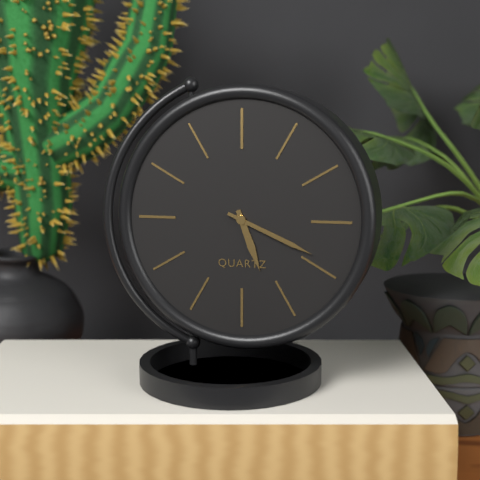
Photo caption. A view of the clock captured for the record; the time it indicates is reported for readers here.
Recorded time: 5:19
